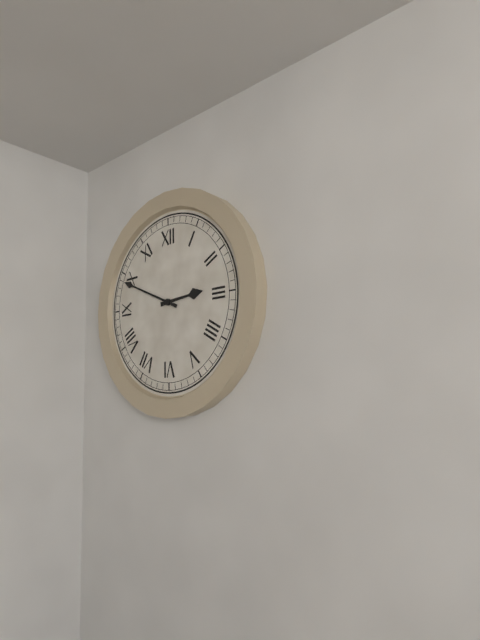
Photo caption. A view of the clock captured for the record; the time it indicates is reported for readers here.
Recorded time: 2:49
